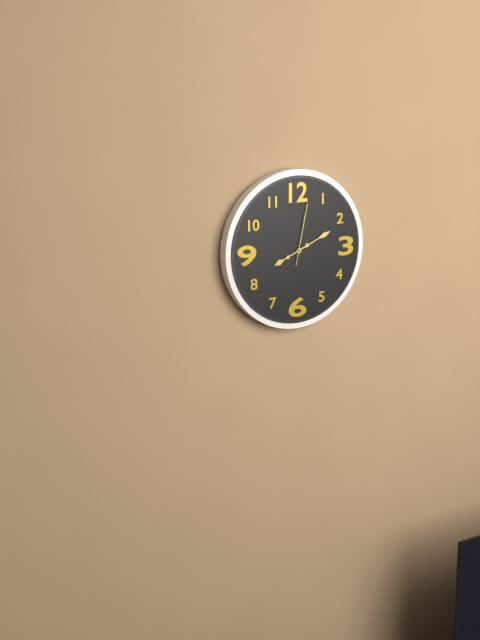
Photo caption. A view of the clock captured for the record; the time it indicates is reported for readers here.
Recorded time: 8:11:02
